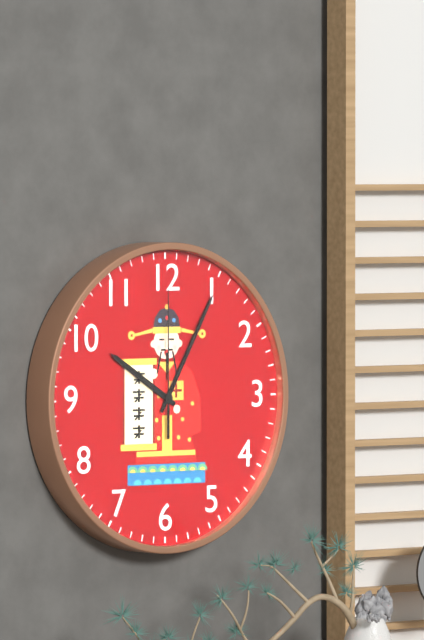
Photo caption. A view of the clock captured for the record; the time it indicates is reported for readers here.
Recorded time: 10:05:00
